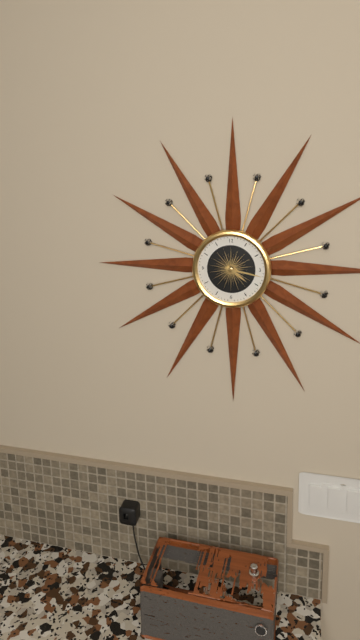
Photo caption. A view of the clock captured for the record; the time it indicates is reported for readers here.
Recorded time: 4:17
